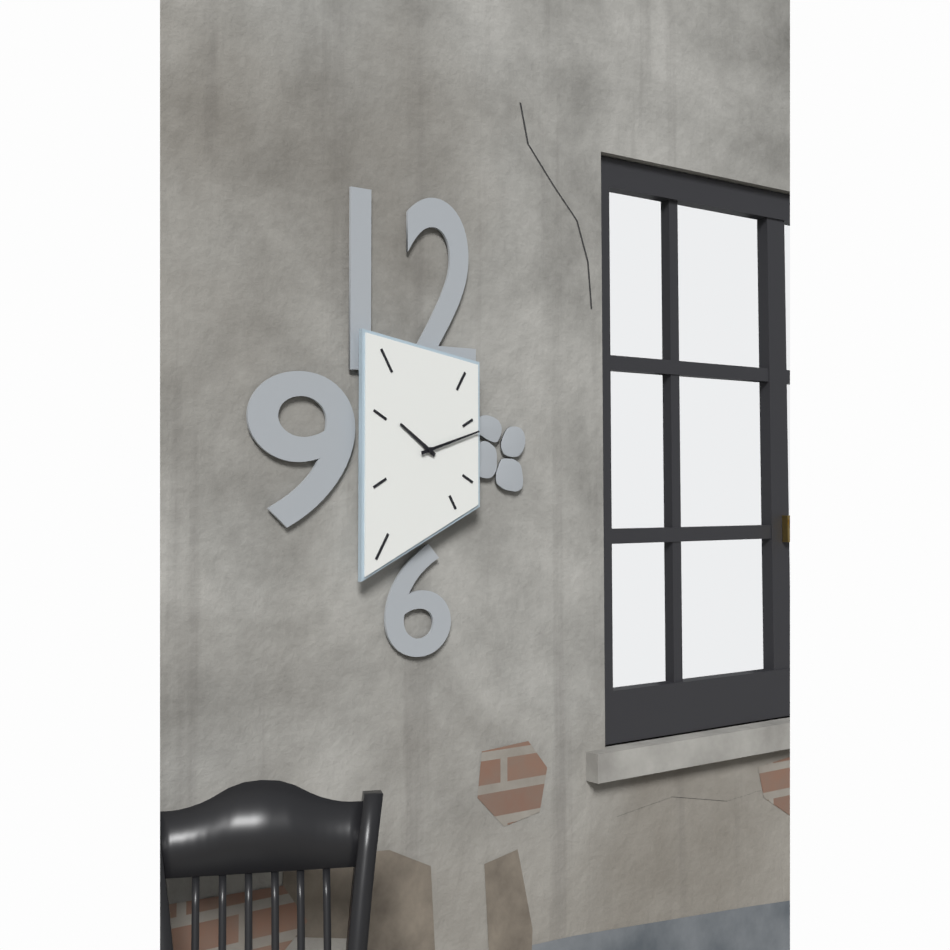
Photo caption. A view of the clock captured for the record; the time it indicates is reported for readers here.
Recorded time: 10:12
